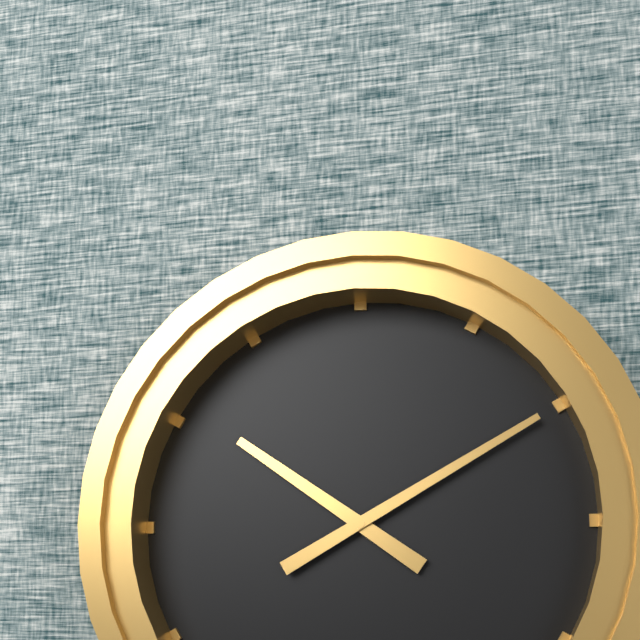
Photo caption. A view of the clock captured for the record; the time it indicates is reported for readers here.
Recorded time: 10:10
